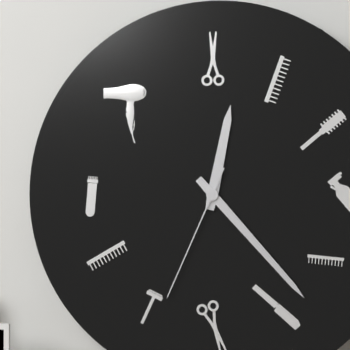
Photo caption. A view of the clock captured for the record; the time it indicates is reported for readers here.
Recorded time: 12:23:34
